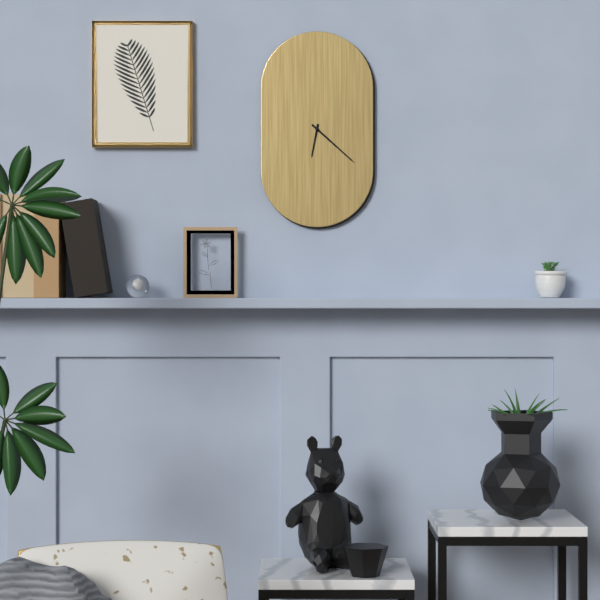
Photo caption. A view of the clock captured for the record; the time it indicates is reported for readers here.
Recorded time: 6:22
